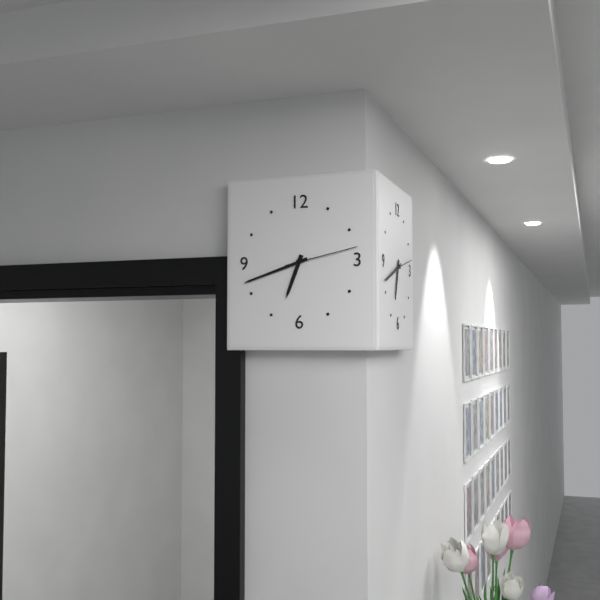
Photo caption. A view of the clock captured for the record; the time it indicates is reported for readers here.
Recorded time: 6:42:13
